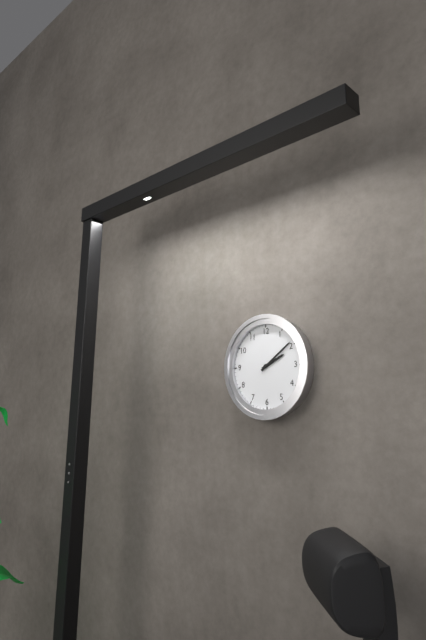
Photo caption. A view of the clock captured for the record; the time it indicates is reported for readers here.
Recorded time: 2:09
